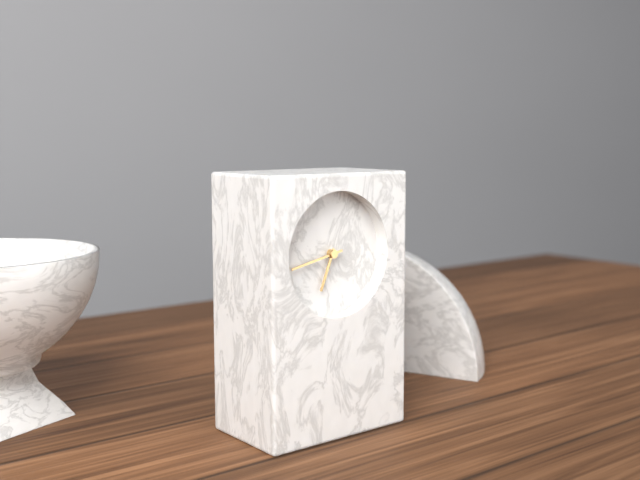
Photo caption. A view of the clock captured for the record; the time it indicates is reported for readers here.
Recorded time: 6:43
